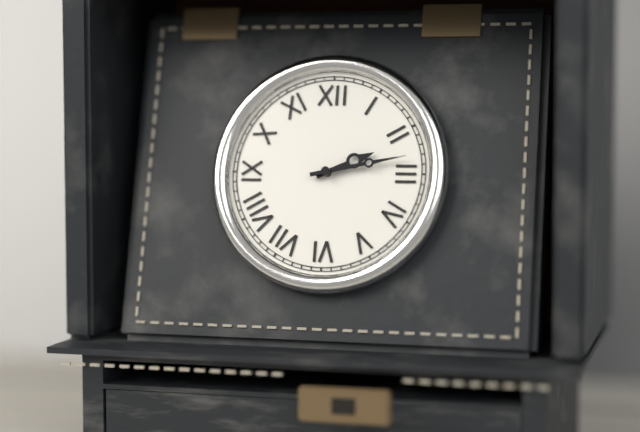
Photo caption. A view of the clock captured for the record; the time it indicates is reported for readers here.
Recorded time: 2:13
